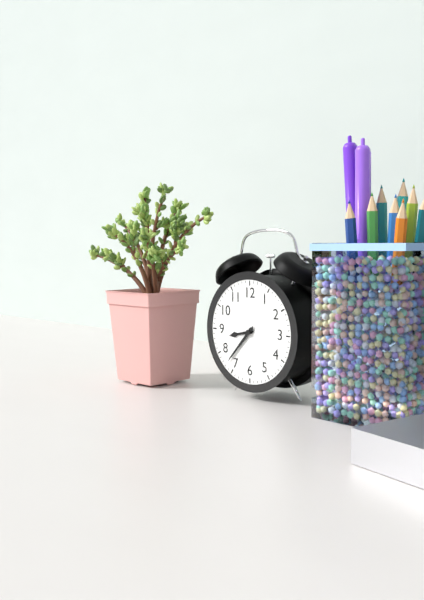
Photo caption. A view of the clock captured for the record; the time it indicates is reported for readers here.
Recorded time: 8:37
